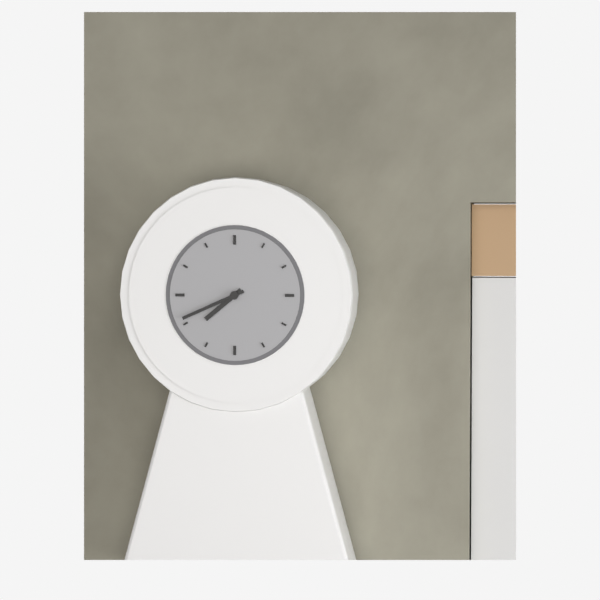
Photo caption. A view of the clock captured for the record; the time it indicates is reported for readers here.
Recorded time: 7:41
